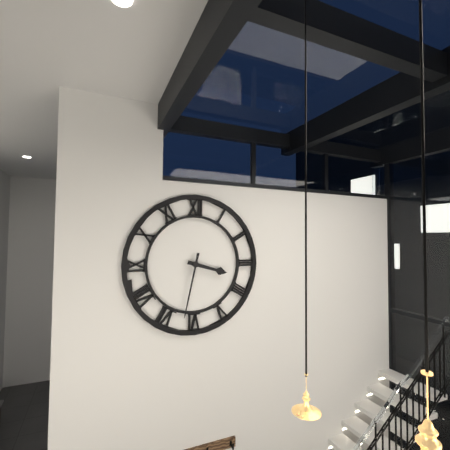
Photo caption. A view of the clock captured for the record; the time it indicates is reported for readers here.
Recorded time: 3:32
